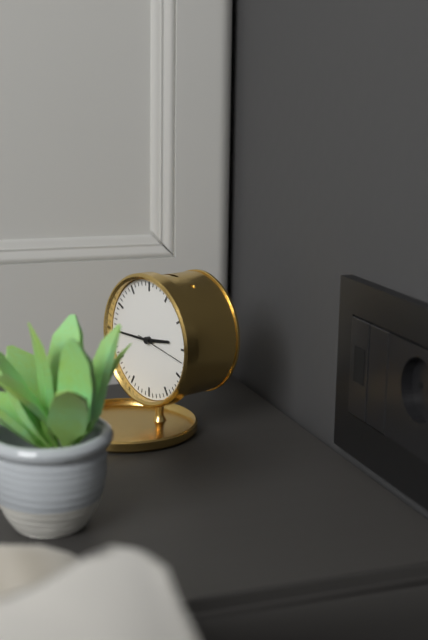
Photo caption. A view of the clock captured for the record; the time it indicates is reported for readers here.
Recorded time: 2:45:17
